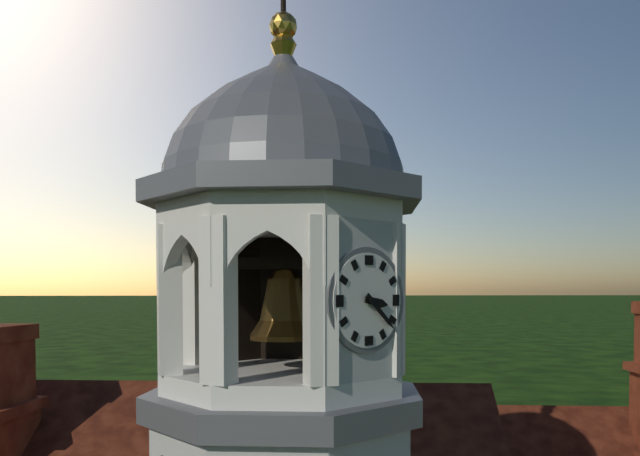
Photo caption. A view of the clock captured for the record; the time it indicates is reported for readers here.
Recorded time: 3:22
